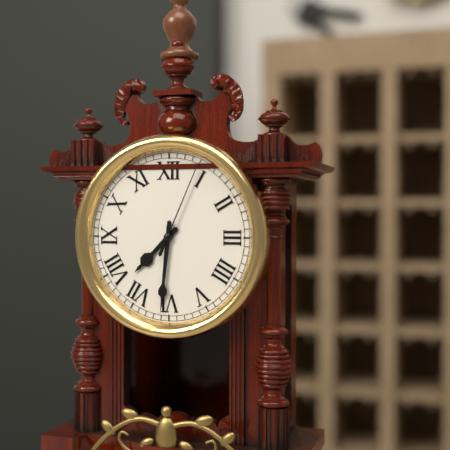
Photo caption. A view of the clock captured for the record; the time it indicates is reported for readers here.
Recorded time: 7:31:04
